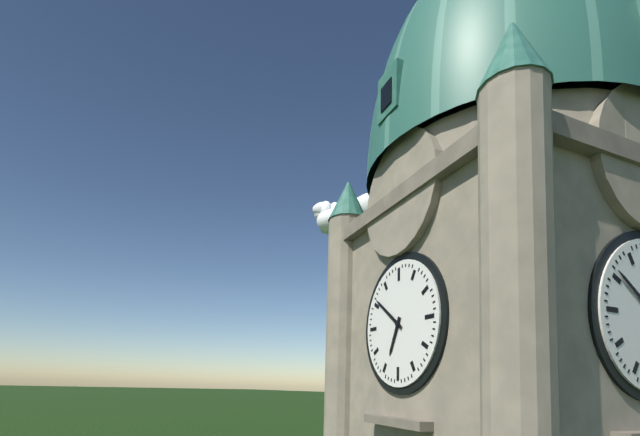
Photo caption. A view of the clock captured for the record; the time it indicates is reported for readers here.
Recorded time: 6:51
